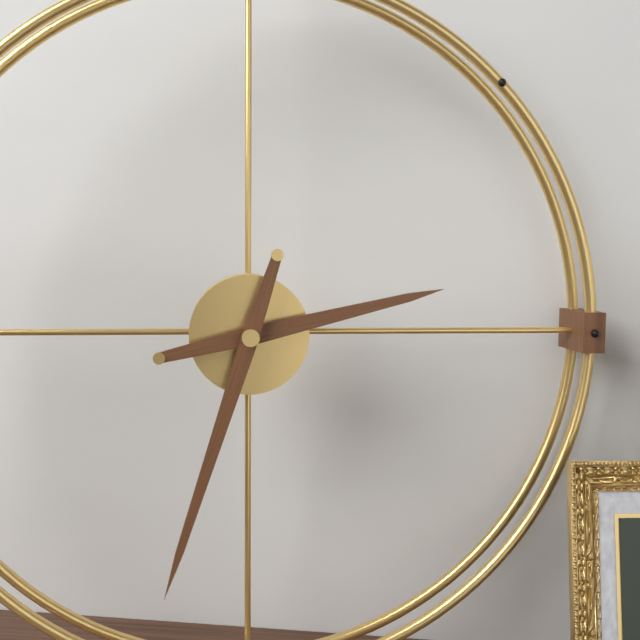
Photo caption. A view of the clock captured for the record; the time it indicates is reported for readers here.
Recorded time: 2:33
